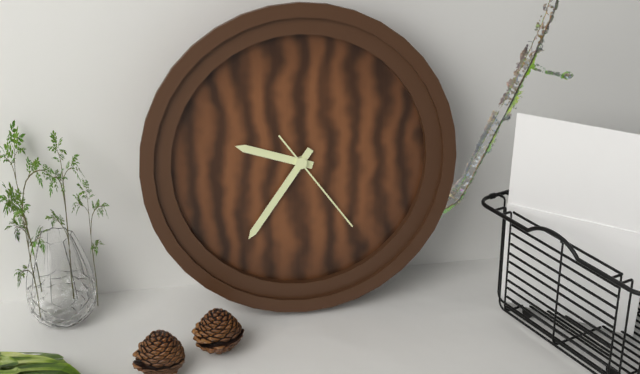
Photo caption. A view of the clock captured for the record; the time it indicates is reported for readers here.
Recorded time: 9:36:24
